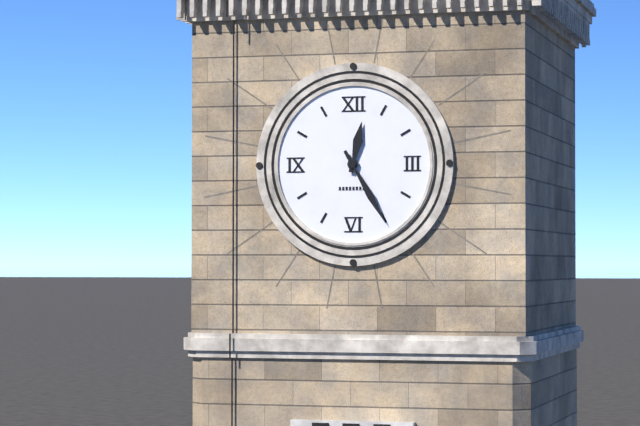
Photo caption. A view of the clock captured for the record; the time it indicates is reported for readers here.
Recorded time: 12:25
